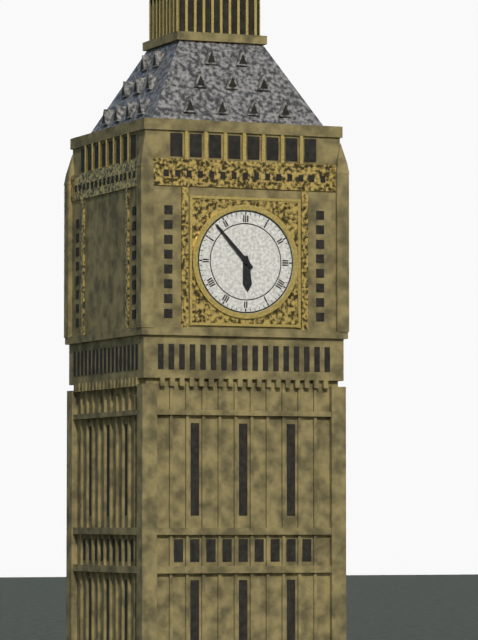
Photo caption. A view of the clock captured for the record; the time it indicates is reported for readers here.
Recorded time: 5:53
